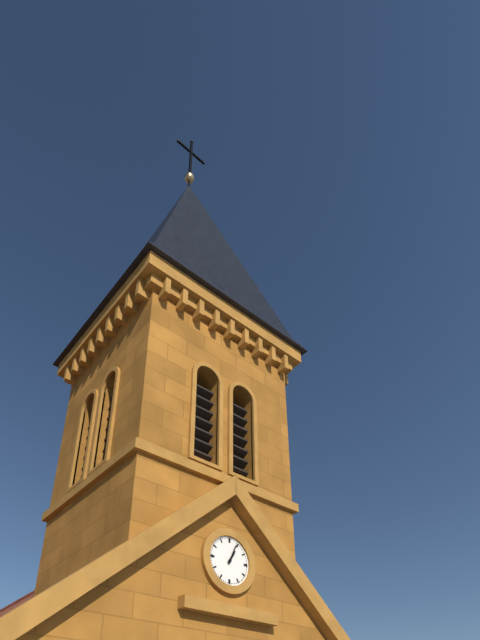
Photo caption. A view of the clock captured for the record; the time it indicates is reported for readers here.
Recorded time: 1:04
